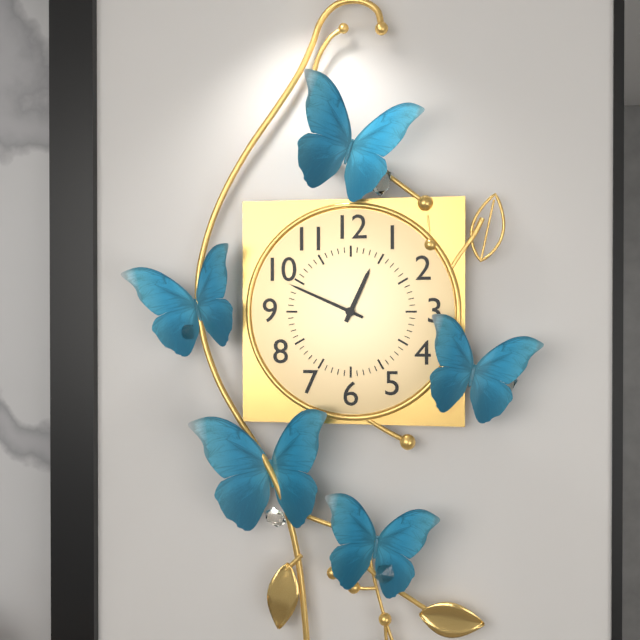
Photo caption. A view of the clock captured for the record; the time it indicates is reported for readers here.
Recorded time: 12:49
